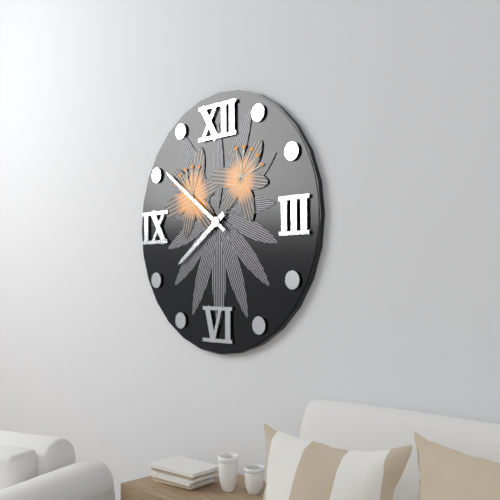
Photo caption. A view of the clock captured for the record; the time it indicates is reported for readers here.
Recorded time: 7:51
